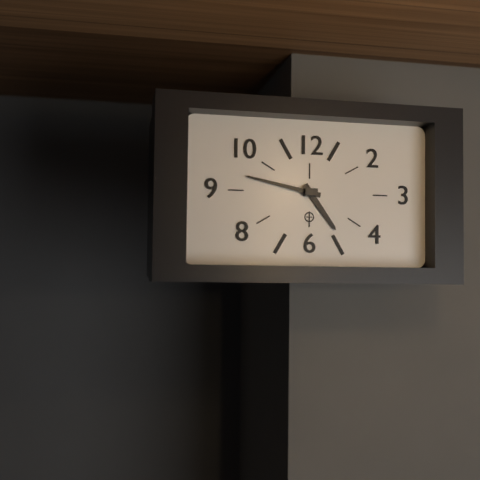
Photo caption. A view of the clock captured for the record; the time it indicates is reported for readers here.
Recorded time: 4:47
